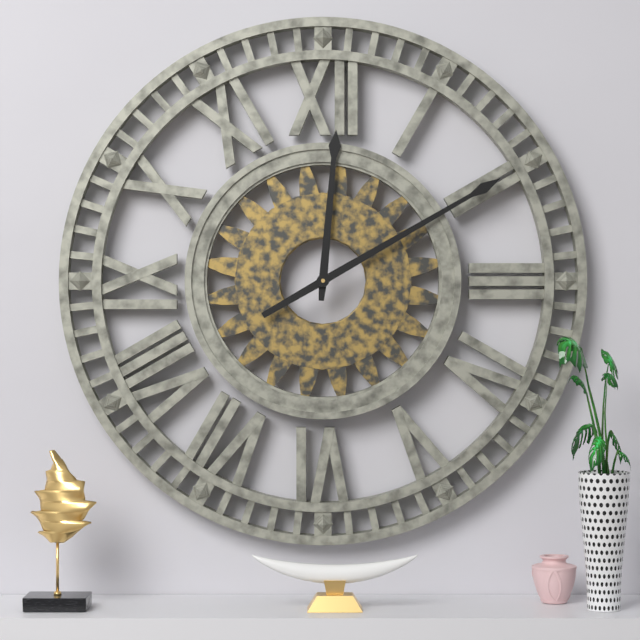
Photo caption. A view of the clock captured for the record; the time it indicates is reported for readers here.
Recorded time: 12:10
